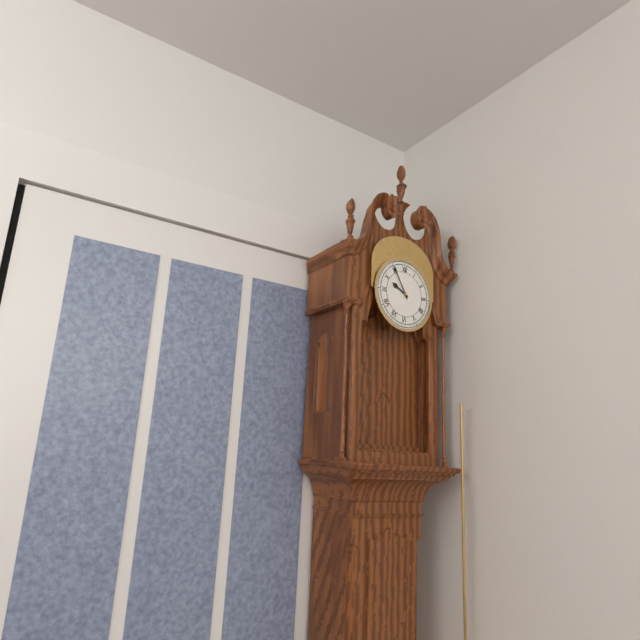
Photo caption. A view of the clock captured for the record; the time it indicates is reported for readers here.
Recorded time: 9:55
